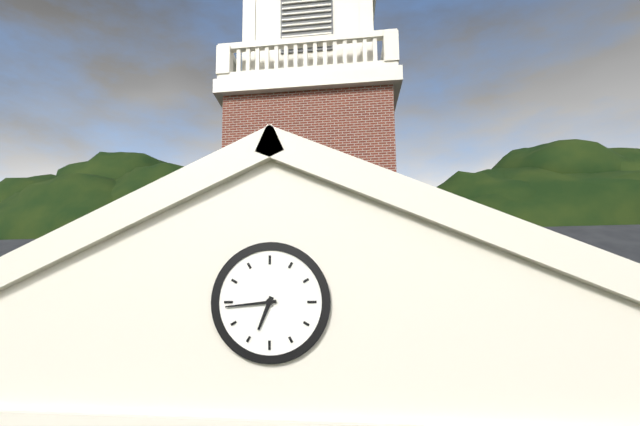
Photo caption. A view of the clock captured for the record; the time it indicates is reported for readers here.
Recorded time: 6:44
